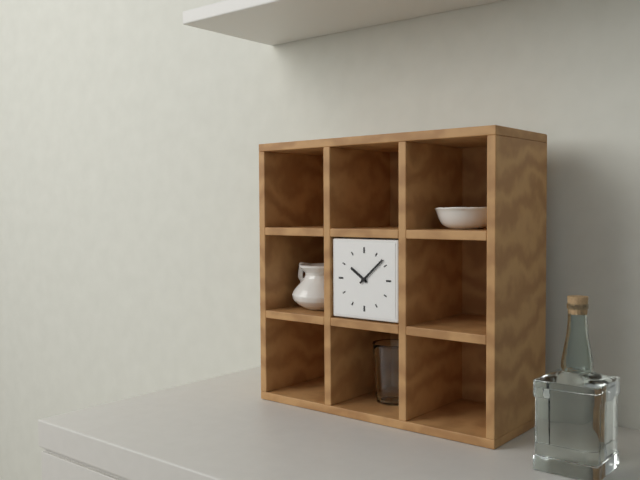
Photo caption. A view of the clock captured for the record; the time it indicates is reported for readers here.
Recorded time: 10:08
